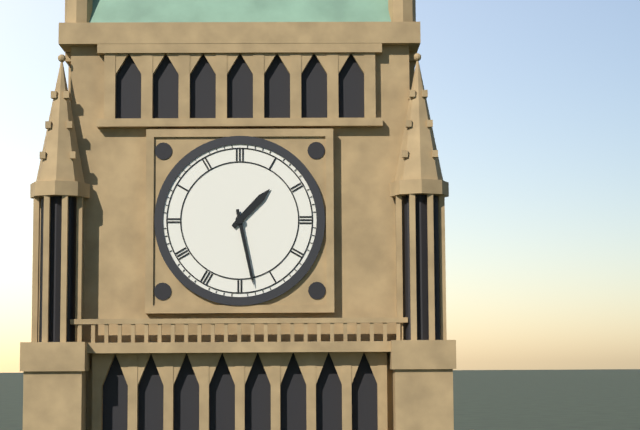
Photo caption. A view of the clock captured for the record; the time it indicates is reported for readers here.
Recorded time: 1:28
